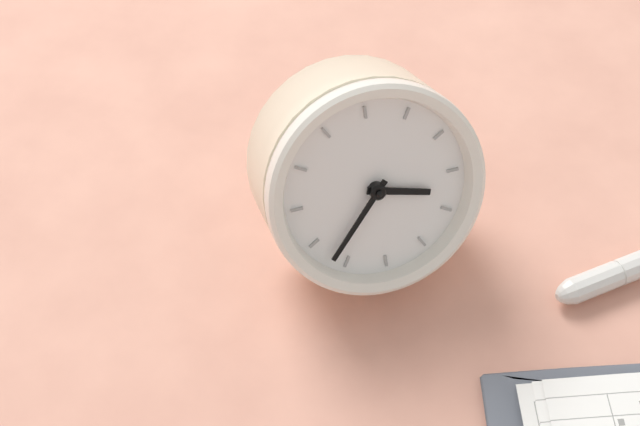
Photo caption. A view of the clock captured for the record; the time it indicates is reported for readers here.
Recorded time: 2:32
